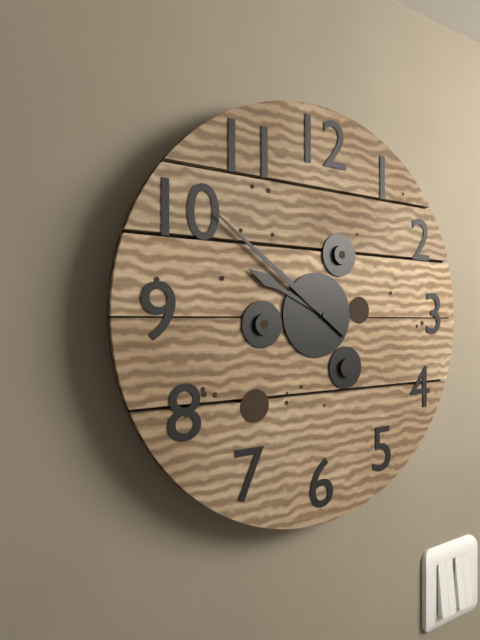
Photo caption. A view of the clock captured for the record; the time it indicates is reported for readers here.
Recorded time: 9:51
